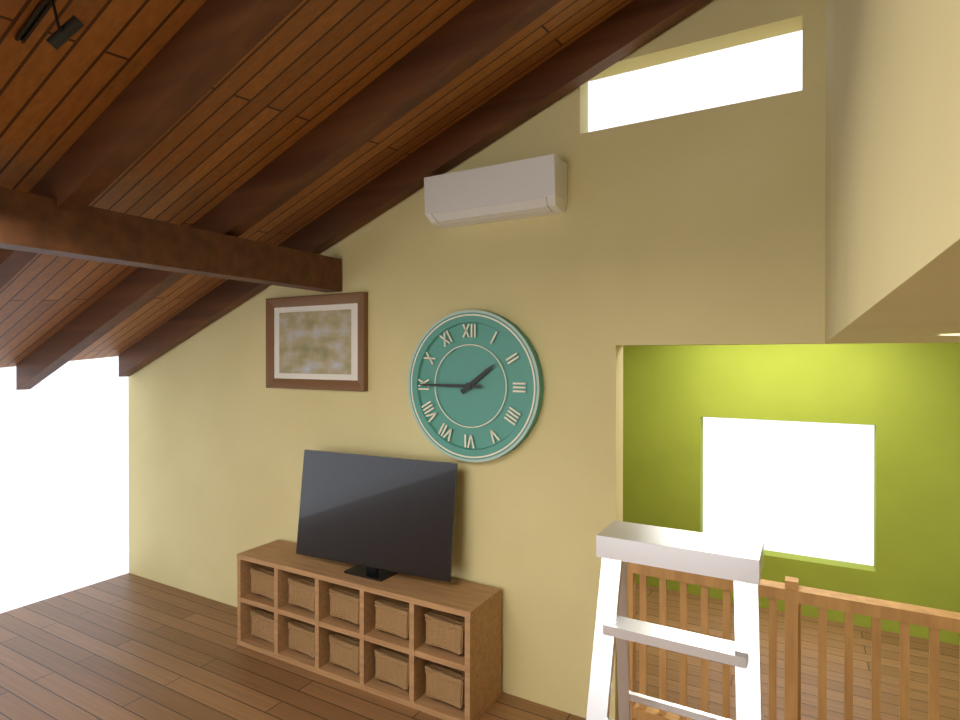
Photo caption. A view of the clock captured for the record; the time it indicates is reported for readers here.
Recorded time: 1:45
